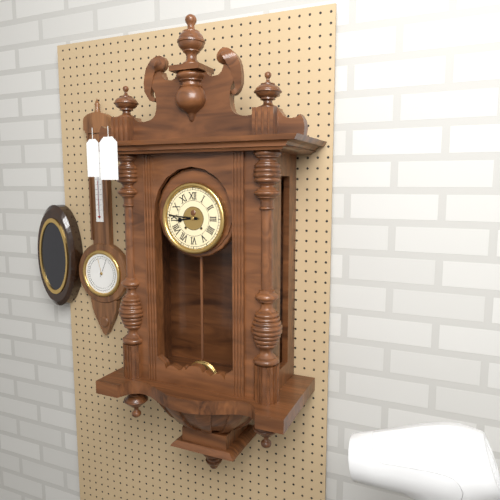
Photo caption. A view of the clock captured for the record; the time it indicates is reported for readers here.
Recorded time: 8:46
